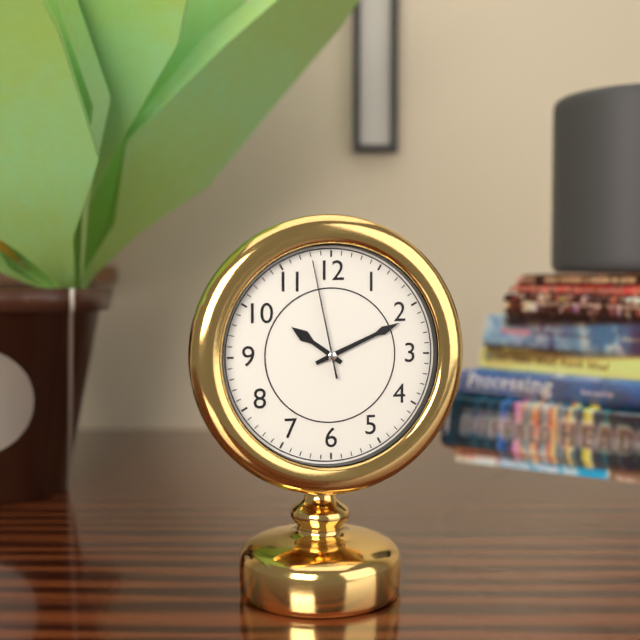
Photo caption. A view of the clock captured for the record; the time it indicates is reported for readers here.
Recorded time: 10:11:58
